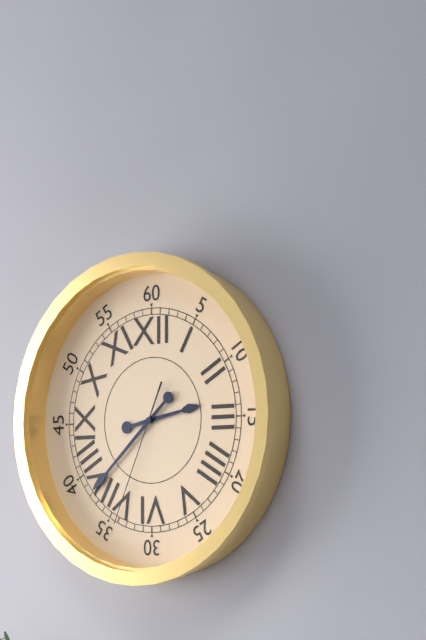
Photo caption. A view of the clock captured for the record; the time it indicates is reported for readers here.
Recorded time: 2:38:34
